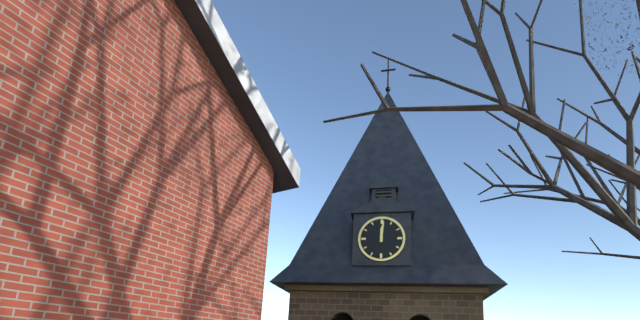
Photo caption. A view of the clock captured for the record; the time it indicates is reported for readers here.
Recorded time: 12:01
